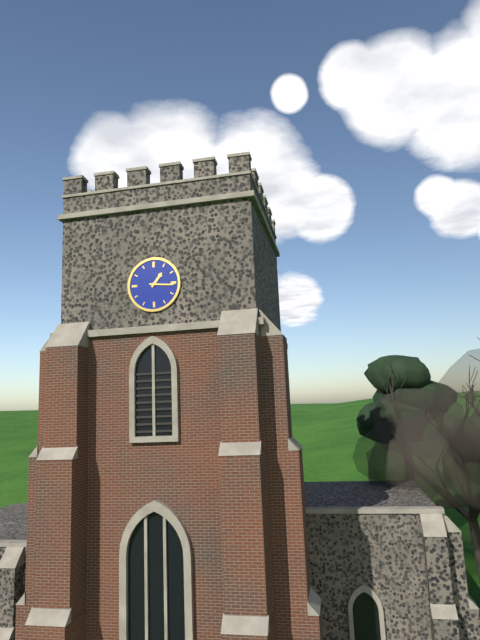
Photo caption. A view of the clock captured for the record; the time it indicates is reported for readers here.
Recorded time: 1:16
